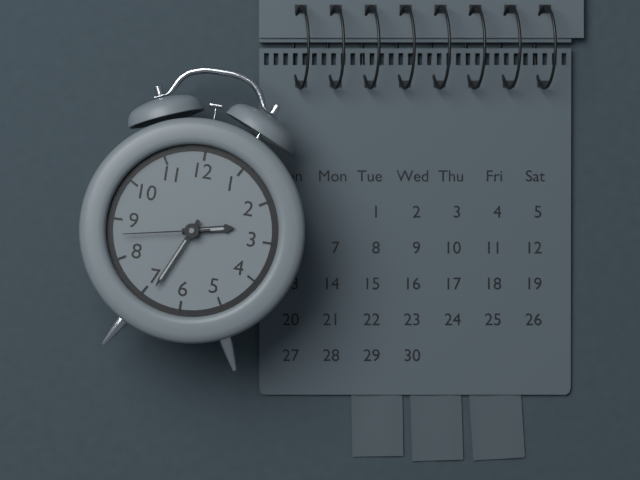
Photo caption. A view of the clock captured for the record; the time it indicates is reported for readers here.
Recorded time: 2:34:43
